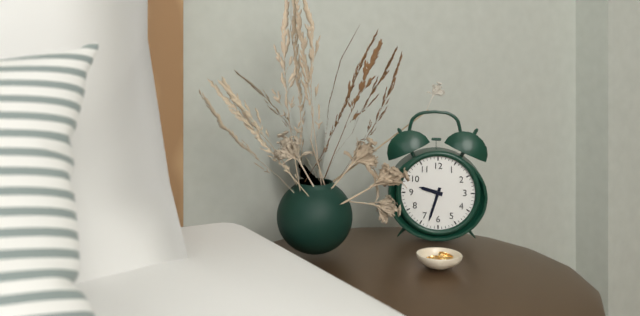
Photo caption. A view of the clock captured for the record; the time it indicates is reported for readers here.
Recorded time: 9:33
